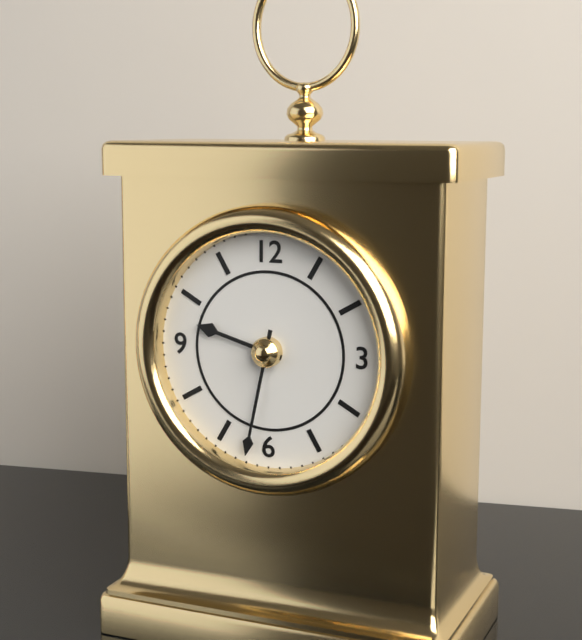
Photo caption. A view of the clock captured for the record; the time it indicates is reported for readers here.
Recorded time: 9:32
